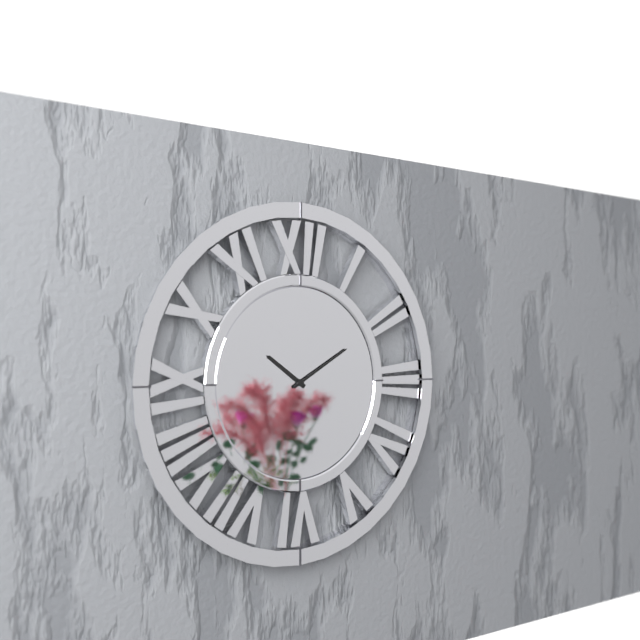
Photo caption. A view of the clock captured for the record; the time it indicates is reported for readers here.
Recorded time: 10:10
